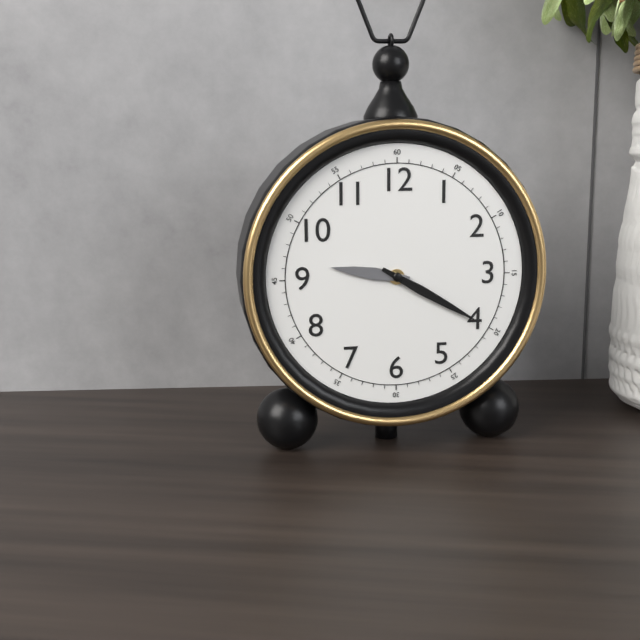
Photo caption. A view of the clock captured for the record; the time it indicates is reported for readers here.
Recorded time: 9:20
